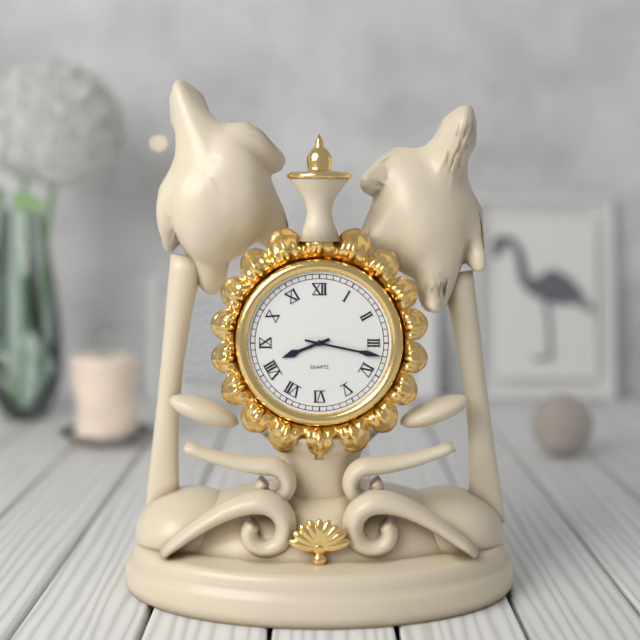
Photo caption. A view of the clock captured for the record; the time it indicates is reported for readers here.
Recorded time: 8:17
